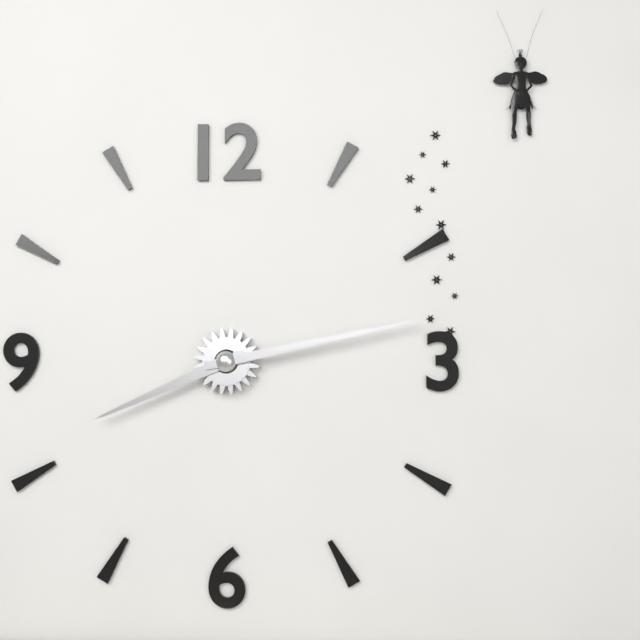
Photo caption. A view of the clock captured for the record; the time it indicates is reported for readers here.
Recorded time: 8:13
